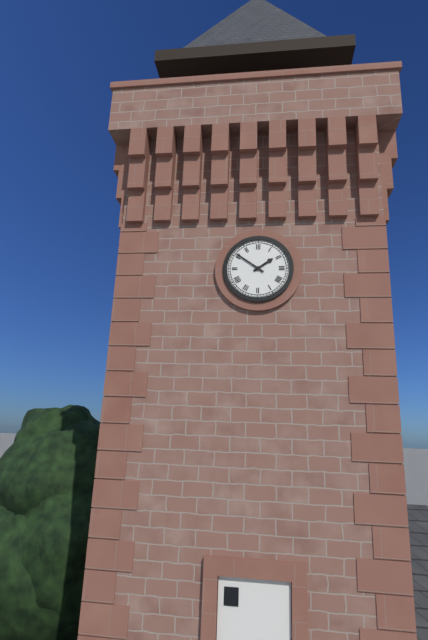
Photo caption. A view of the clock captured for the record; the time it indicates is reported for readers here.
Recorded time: 1:51
